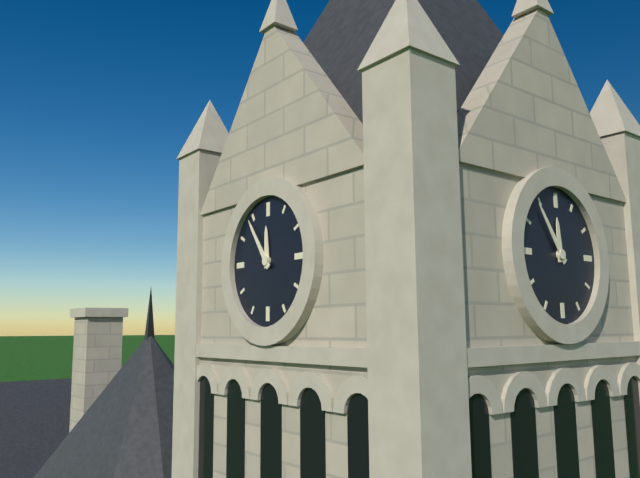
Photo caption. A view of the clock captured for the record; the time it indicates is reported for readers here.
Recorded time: 11:54
